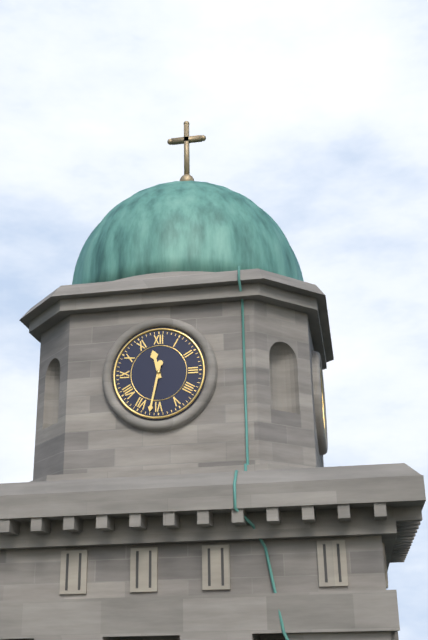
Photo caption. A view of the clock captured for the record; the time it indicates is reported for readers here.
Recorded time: 11:32
